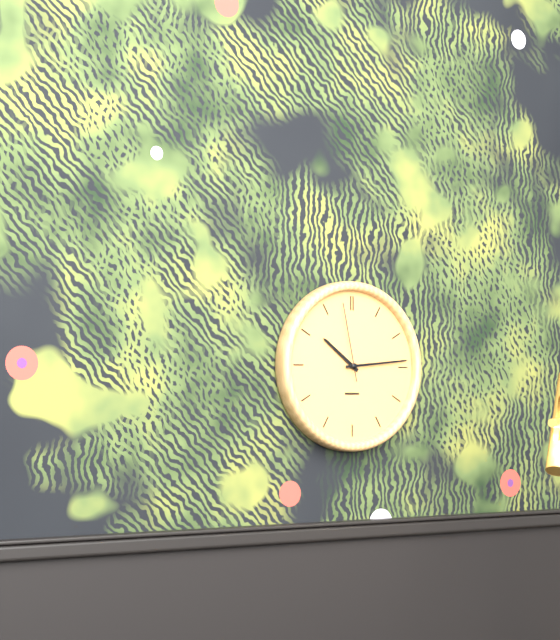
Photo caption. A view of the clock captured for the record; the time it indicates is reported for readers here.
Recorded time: 10:14:58
